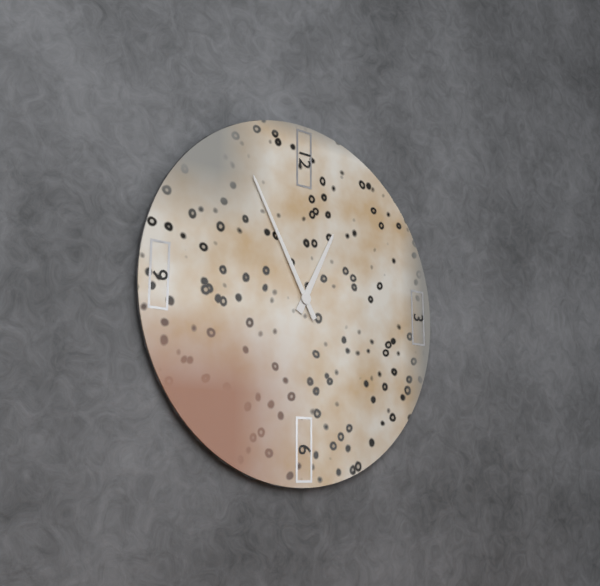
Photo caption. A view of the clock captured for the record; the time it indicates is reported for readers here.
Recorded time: 12:55
